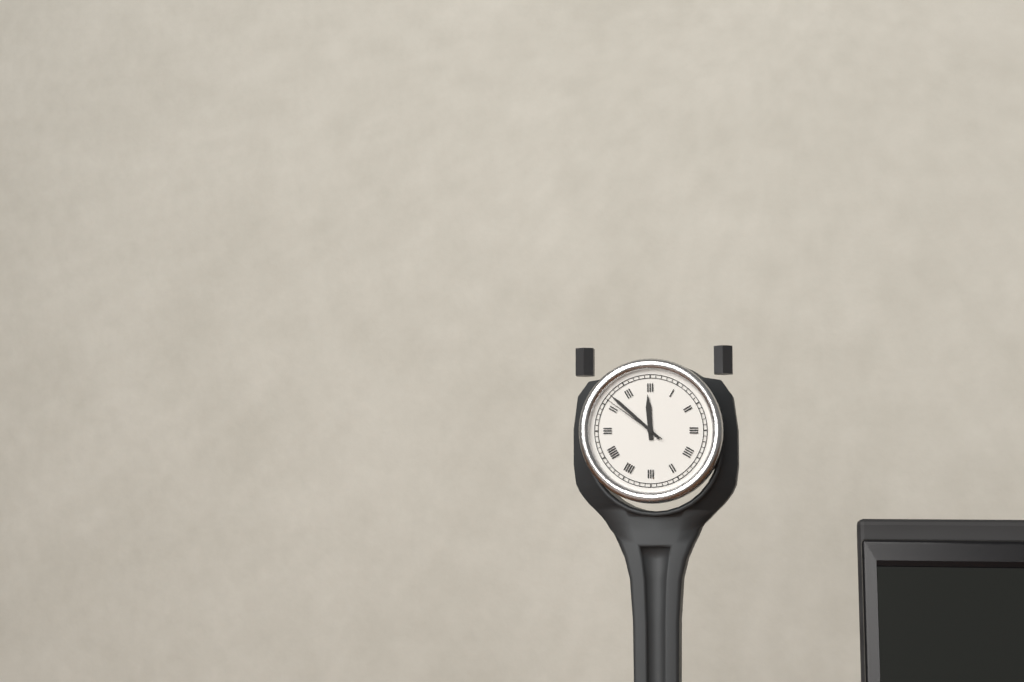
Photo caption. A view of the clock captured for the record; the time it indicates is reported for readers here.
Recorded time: 11:52:51
